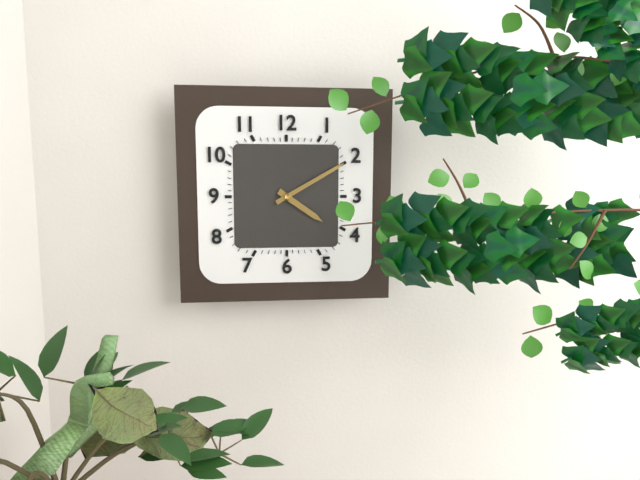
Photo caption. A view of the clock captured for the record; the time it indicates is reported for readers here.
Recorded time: 4:10
